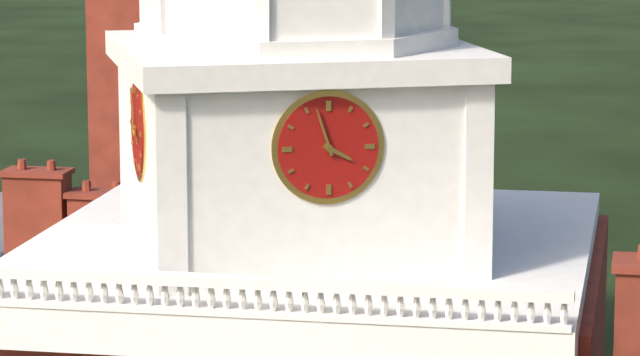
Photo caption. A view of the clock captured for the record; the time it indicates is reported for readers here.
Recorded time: 3:57
